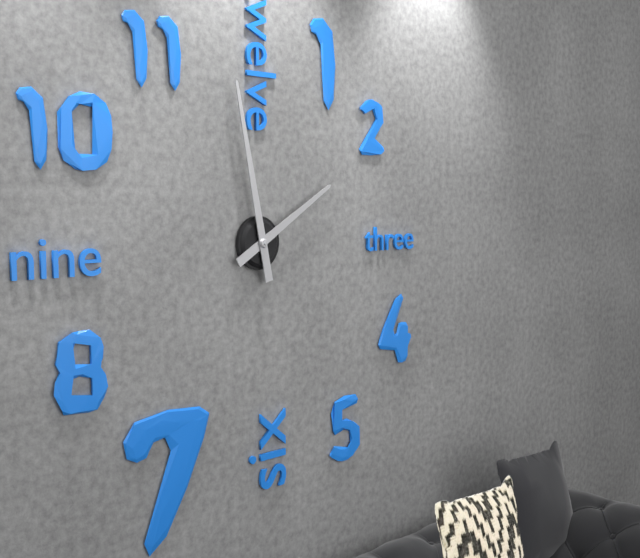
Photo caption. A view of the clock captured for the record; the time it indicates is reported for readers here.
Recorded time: 1:58
